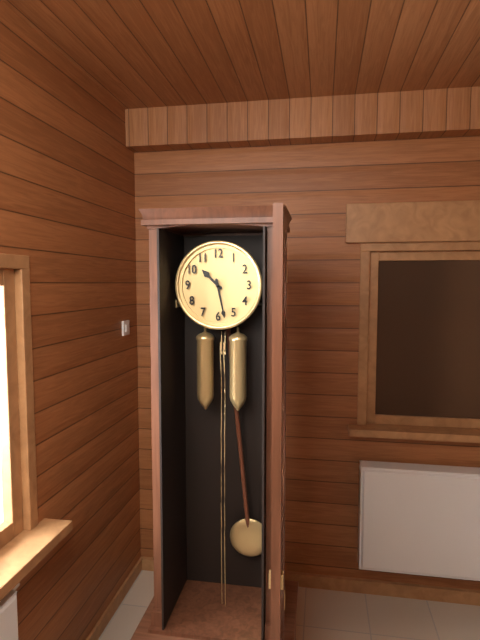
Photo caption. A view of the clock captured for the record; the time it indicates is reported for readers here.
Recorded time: 10:28
